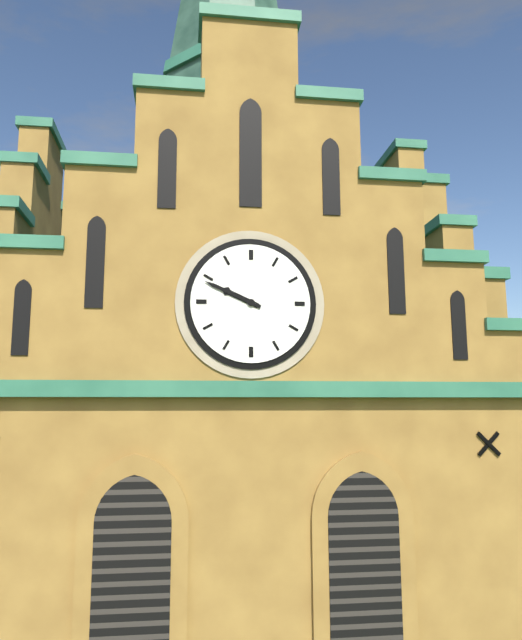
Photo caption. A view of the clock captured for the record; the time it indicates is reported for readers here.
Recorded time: 9:49
